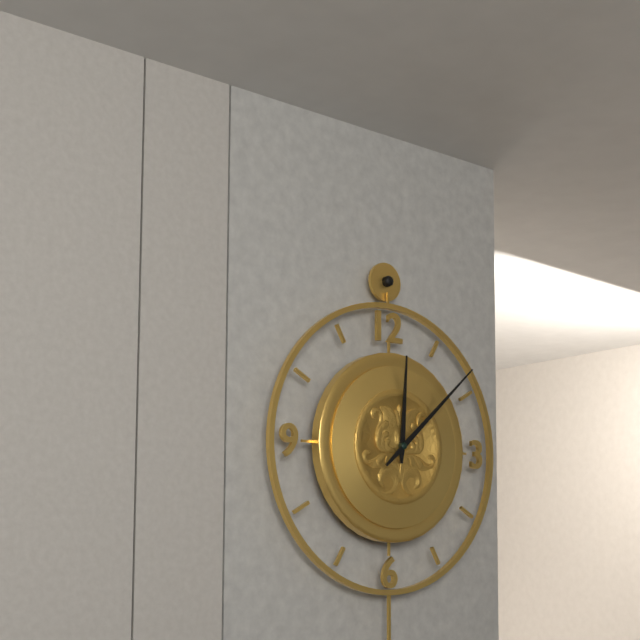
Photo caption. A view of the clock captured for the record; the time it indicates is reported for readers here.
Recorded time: 12:08
